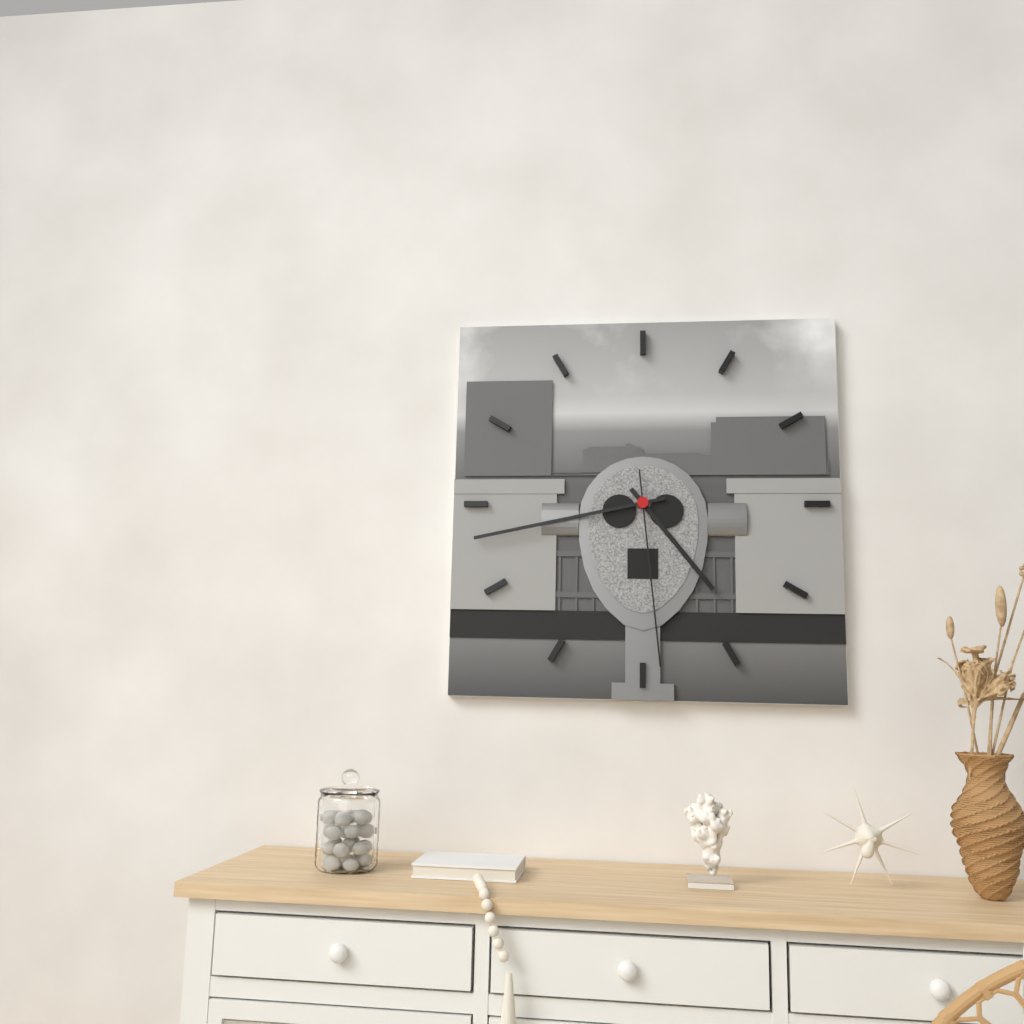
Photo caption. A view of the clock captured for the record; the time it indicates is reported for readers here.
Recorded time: 4:43:29
